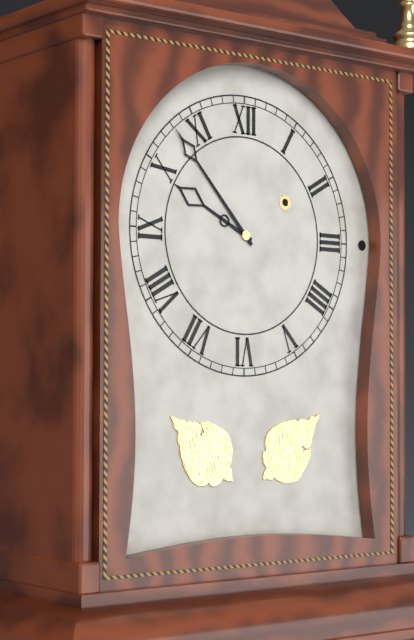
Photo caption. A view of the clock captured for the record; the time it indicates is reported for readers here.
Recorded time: 9:53
